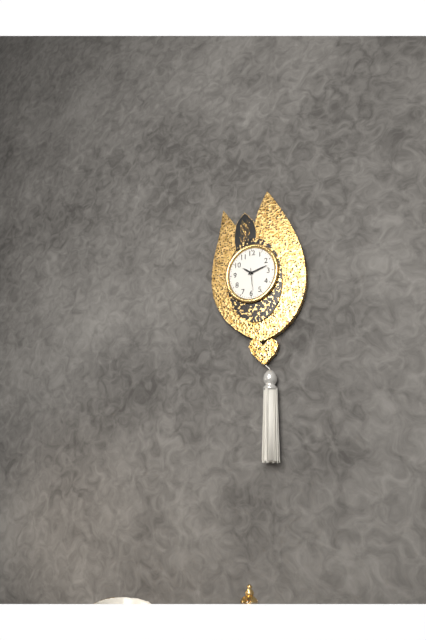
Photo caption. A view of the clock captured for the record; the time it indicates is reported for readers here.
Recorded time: 10:12
